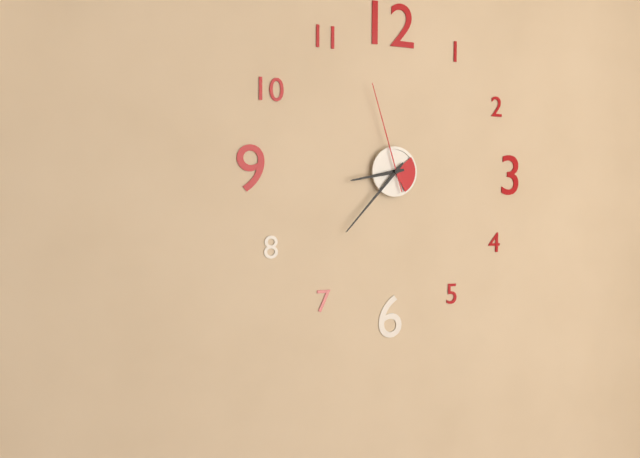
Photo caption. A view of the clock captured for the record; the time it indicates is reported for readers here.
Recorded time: 8:37:57
